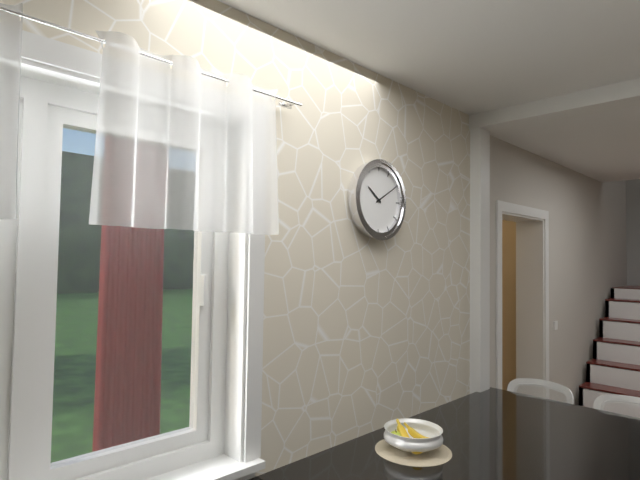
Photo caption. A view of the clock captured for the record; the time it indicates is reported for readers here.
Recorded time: 10:10
